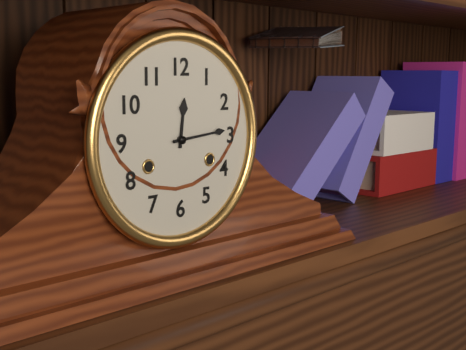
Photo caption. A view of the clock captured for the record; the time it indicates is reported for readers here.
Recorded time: 12:14
